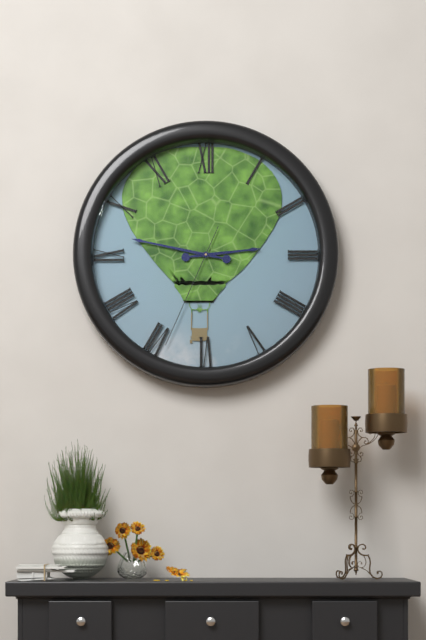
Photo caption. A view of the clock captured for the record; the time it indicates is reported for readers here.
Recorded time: 2:47:34
